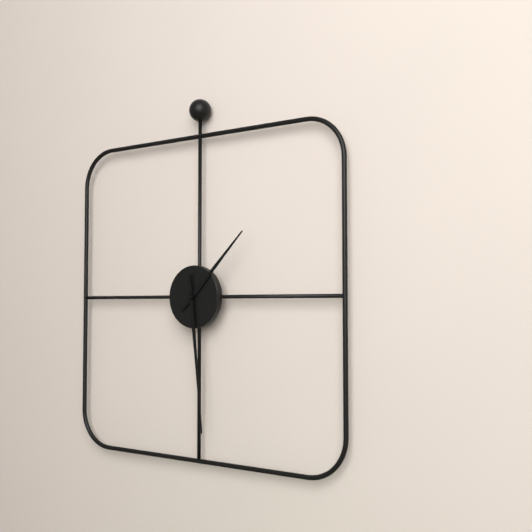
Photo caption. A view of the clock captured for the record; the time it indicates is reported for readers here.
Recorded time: 1:29
